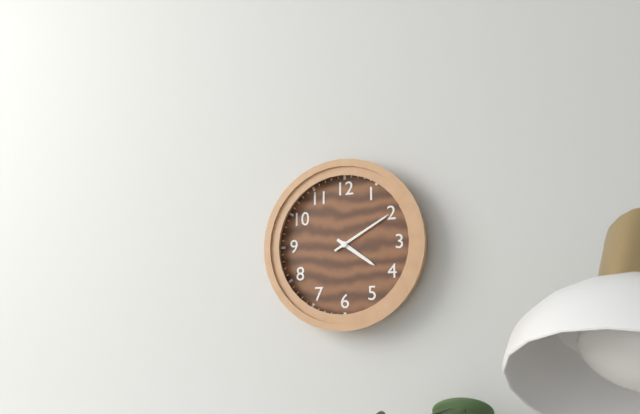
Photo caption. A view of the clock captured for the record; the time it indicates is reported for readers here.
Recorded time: 4:10
